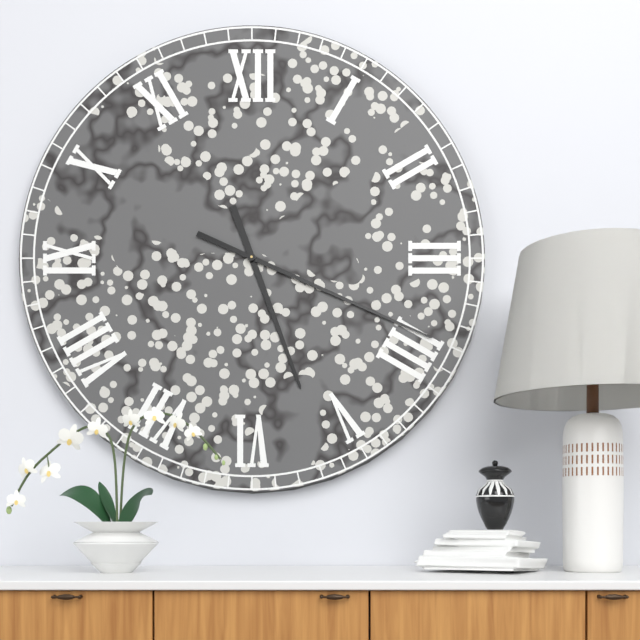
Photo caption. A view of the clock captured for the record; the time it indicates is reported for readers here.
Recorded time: 5:19
